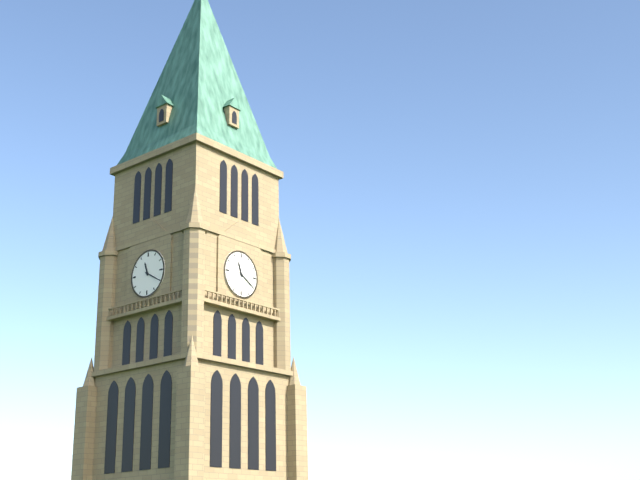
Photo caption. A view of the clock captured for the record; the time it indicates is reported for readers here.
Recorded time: 11:20
